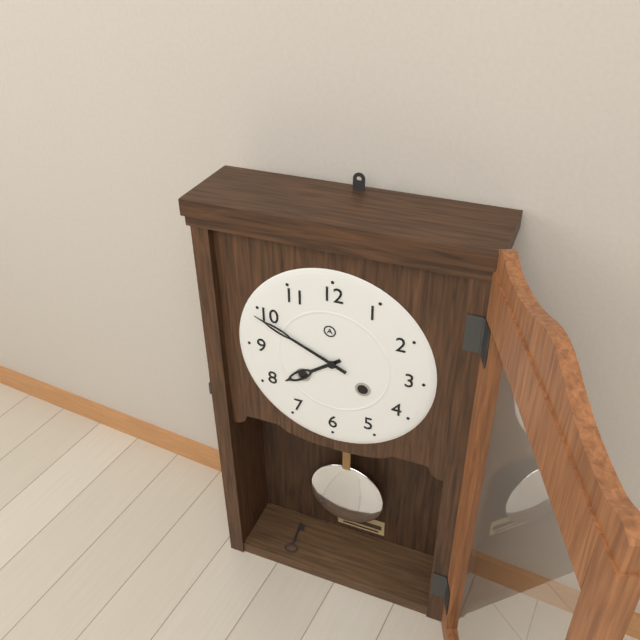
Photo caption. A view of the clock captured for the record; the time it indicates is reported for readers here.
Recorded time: 7:49
